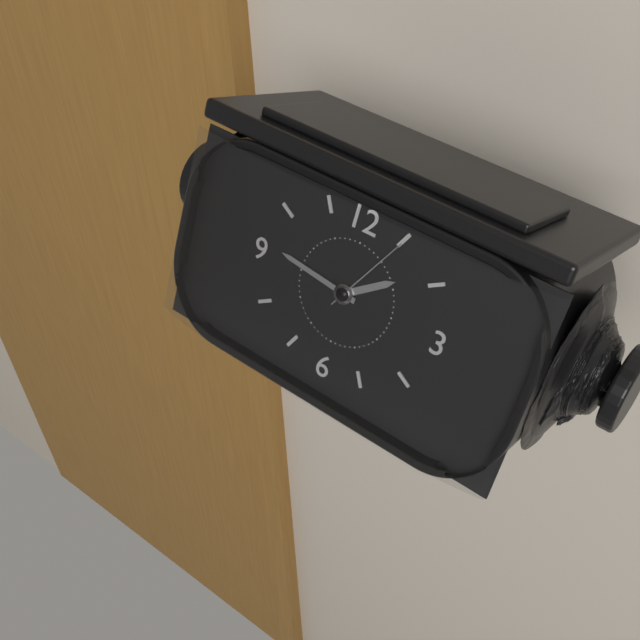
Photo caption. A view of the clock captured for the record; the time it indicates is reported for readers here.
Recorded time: 1:46:05
